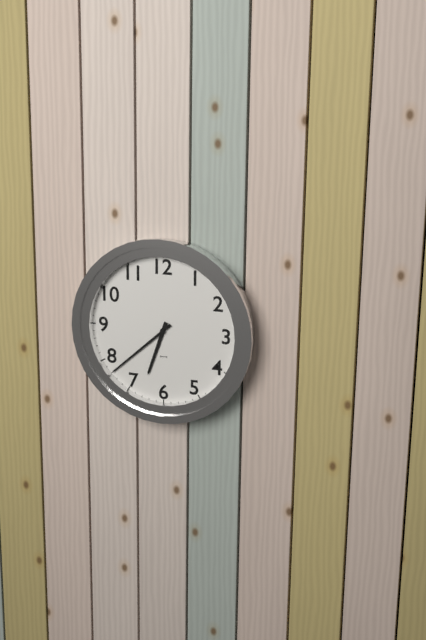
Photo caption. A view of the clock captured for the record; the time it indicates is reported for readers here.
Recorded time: 6:38
